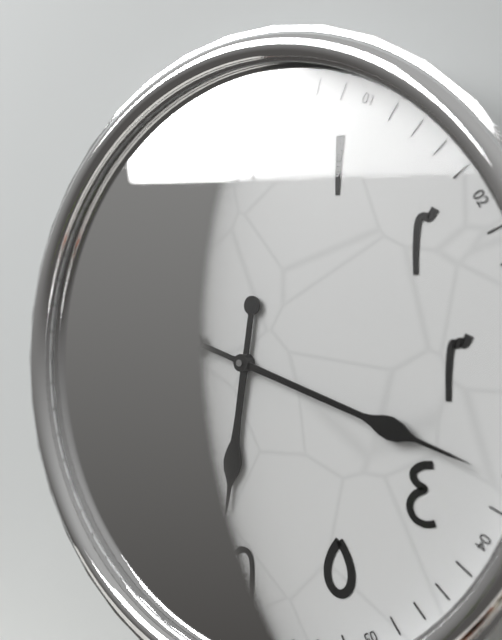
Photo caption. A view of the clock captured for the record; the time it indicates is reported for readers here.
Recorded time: 6:18
